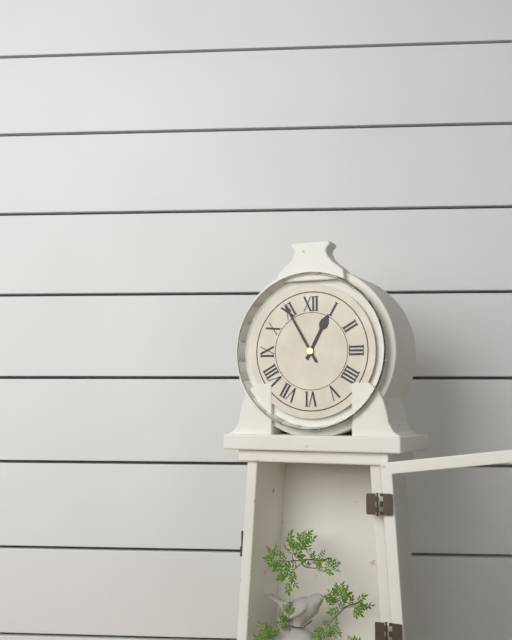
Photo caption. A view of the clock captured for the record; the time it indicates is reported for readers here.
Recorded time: 12:55
